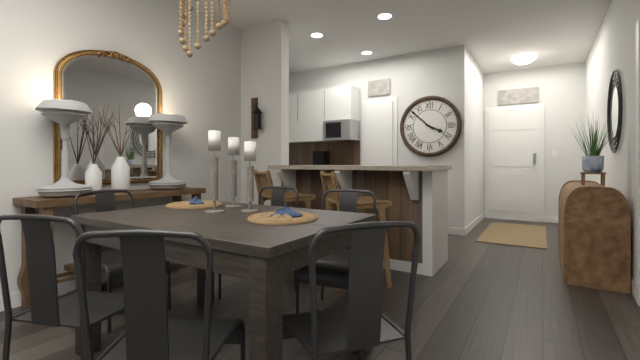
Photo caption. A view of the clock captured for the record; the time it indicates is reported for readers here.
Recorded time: 3:52
